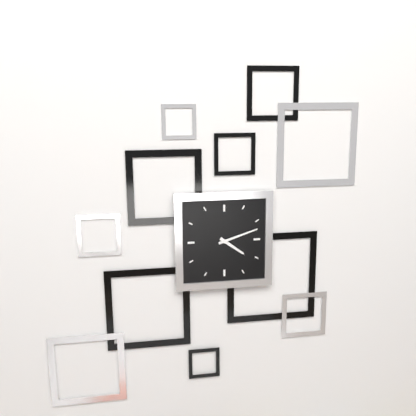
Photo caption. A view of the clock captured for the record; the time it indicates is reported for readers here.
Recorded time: 4:12
